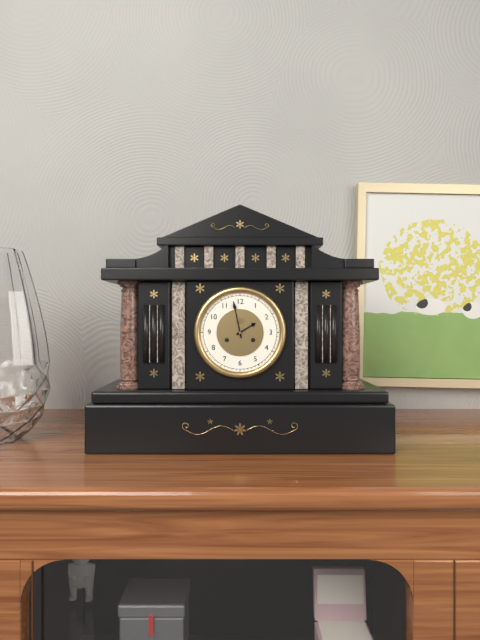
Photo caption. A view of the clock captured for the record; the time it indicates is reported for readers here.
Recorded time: 1:58
